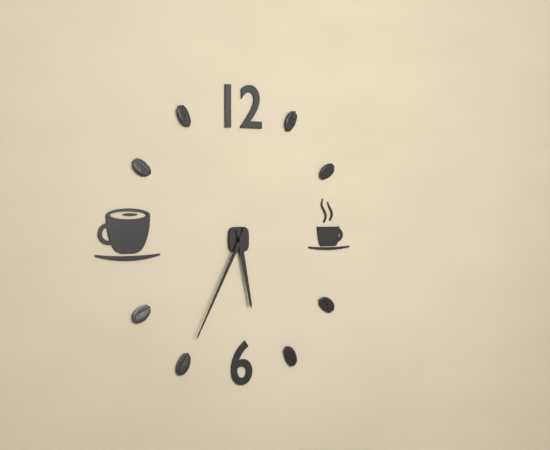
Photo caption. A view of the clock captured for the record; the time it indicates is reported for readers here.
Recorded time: 5:35
